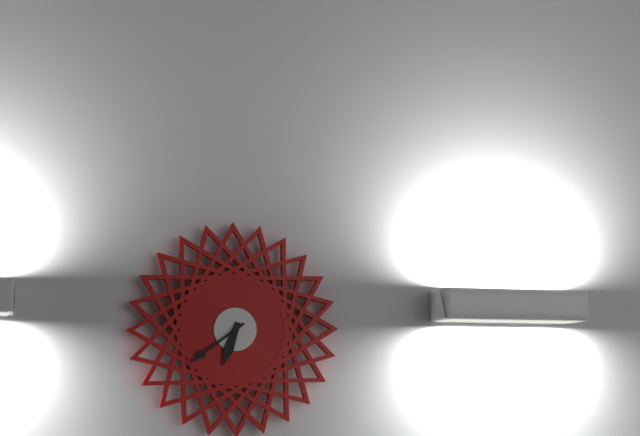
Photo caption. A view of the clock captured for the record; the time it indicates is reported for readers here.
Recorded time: 6:39
